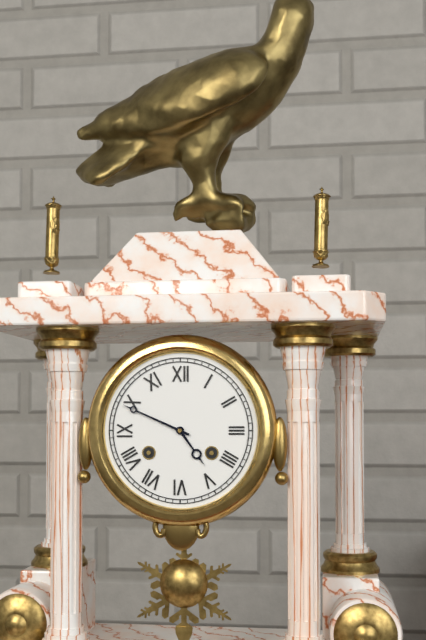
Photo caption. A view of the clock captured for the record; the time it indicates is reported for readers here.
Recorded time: 4:49
